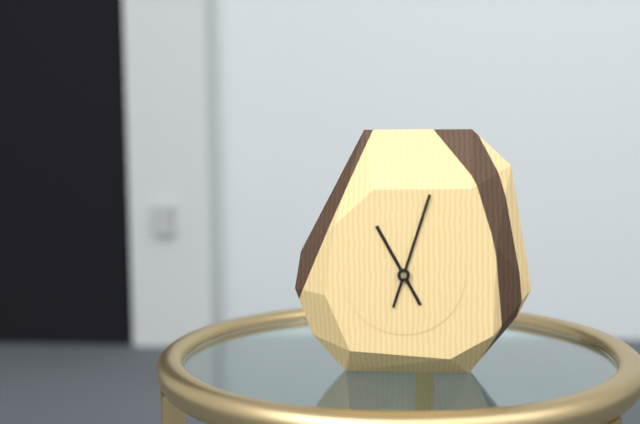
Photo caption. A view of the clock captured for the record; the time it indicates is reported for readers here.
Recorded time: 11:03
